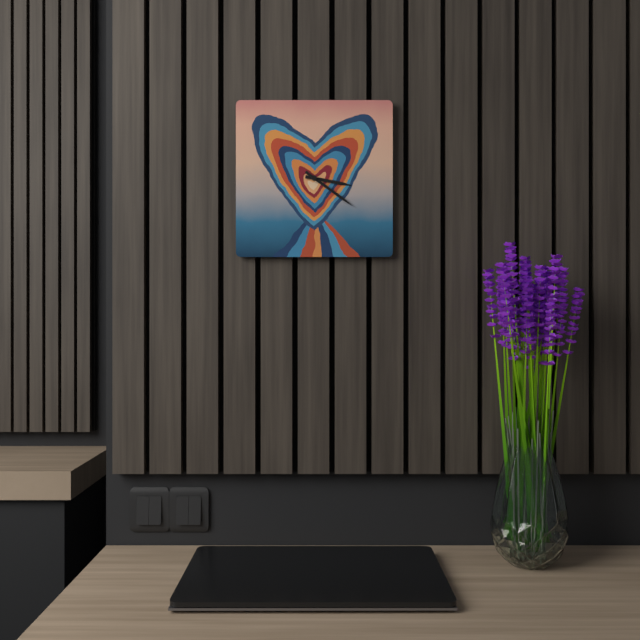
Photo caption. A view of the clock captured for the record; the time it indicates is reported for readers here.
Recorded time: 3:21
